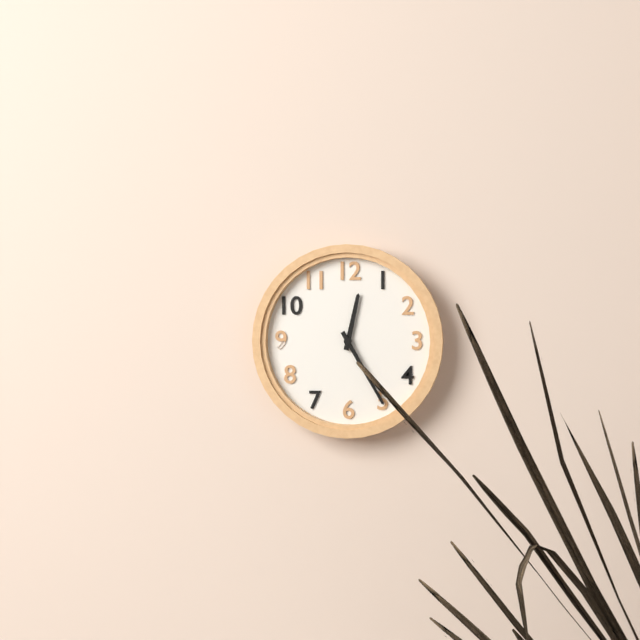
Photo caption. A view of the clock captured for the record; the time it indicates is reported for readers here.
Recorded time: 12:25
